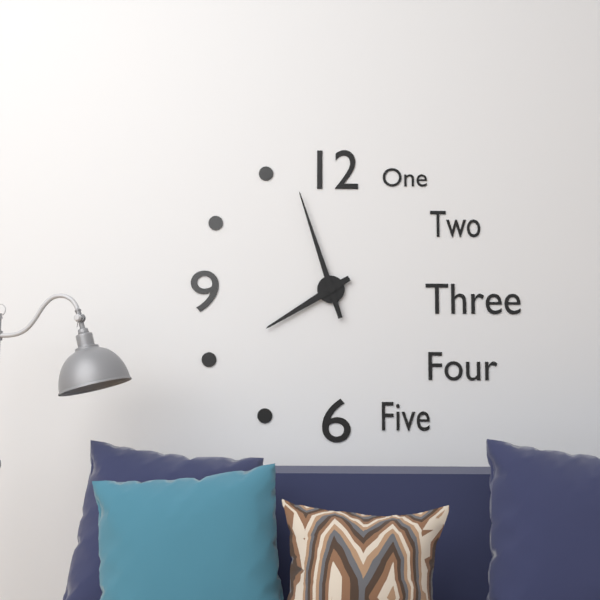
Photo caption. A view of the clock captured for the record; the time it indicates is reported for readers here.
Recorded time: 7:57
